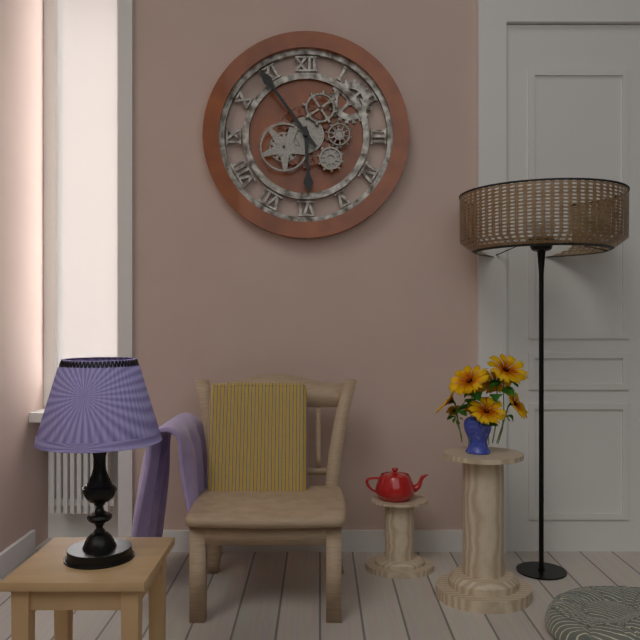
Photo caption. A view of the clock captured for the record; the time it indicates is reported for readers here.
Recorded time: 5:54
